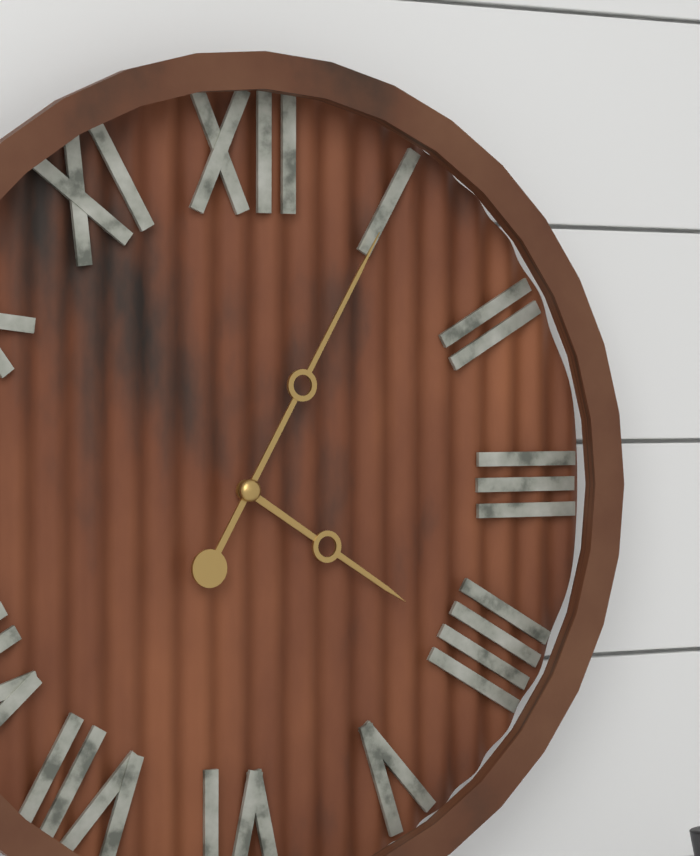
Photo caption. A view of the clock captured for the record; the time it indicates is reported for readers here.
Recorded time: 4:05
